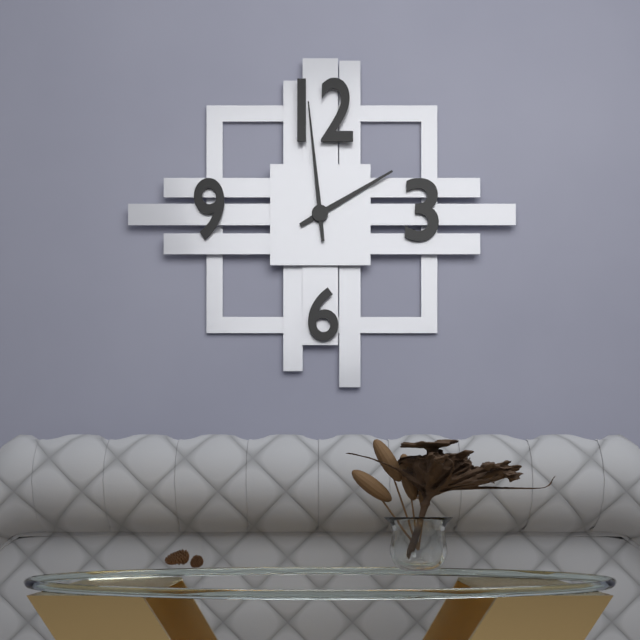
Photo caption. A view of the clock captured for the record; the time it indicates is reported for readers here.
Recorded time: 1:59
